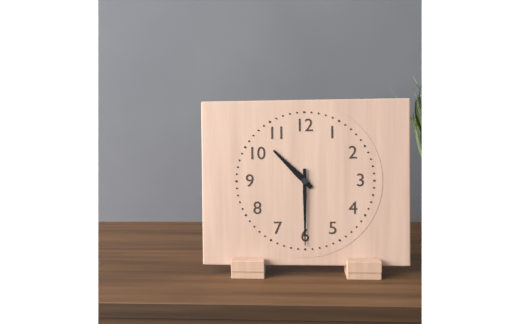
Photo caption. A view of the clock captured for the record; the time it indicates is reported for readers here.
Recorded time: 10:30
